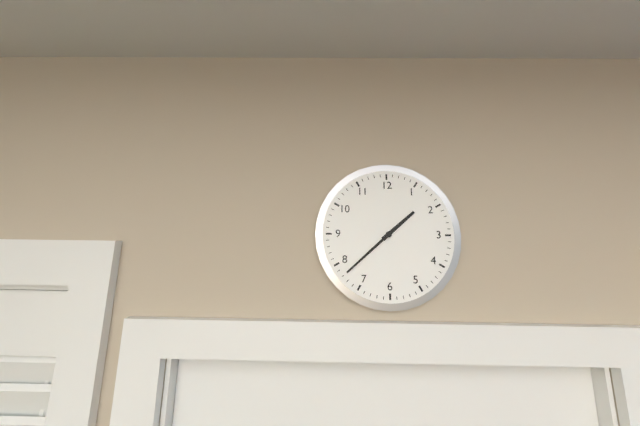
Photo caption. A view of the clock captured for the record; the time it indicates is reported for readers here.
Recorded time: 1:38
